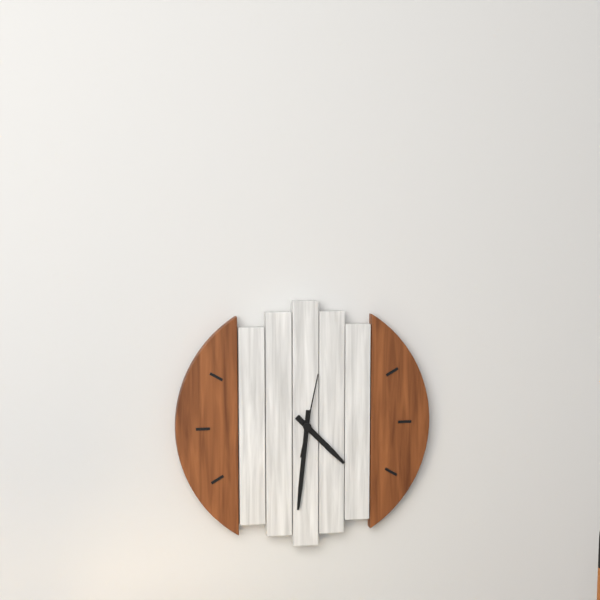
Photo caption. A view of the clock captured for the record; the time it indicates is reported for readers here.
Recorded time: 4:31:02
